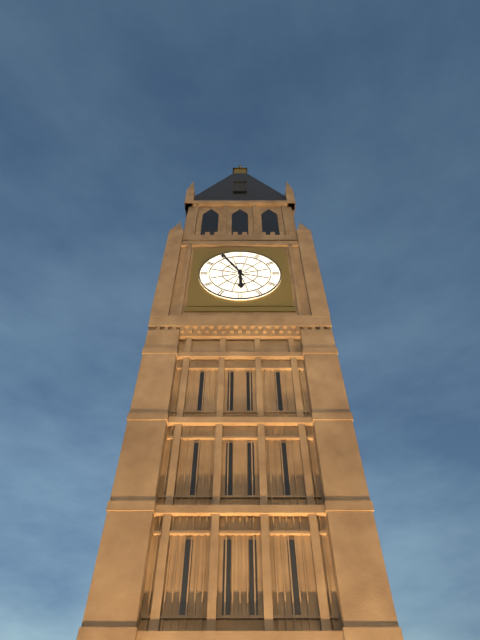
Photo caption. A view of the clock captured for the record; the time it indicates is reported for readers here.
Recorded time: 5:55
